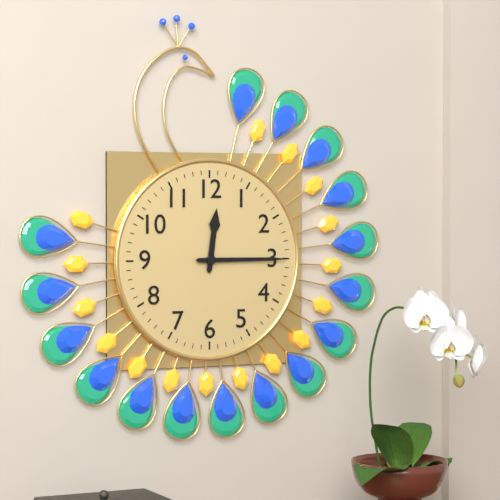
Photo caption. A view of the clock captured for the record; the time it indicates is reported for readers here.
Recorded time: 12:15
